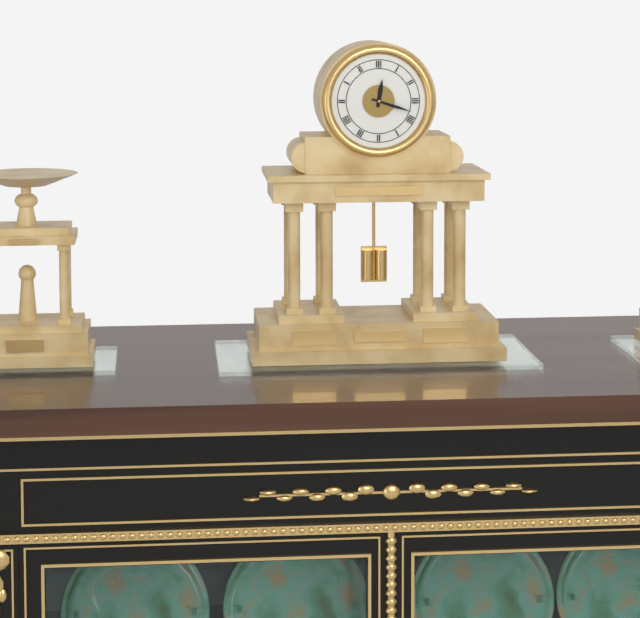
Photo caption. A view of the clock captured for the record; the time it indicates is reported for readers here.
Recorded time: 12:18
